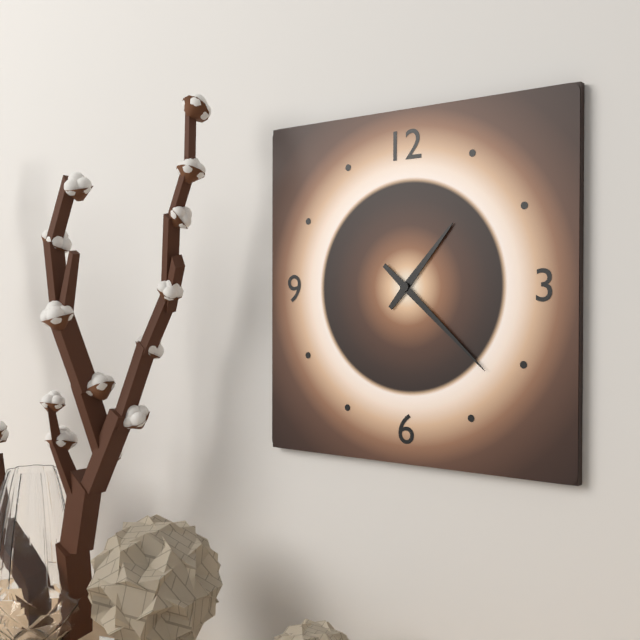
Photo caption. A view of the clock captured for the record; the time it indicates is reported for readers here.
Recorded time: 1:22
